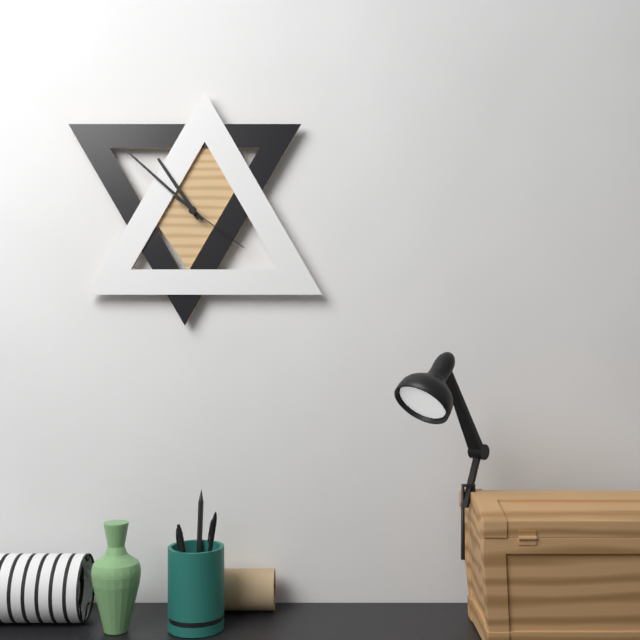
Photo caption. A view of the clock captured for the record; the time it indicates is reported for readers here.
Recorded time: 10:52:21
